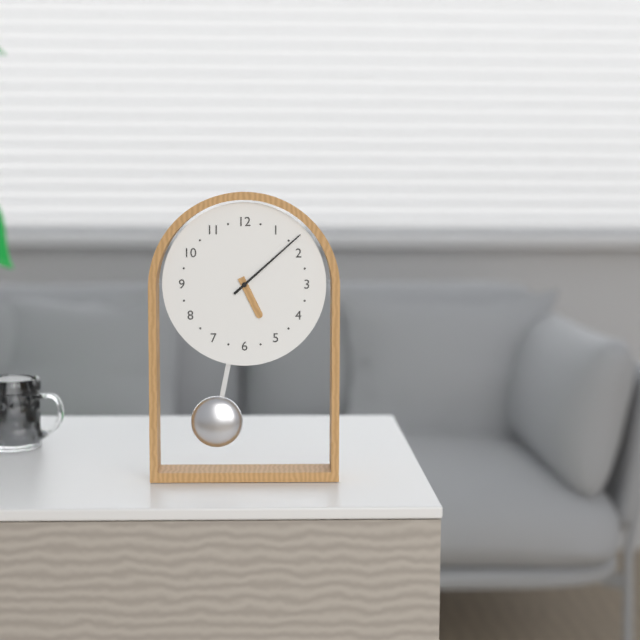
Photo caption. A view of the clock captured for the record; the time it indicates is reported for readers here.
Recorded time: 5:08
